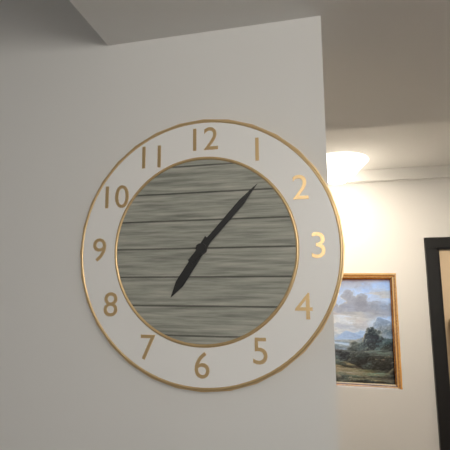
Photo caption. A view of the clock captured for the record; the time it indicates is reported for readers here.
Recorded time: 7:07
